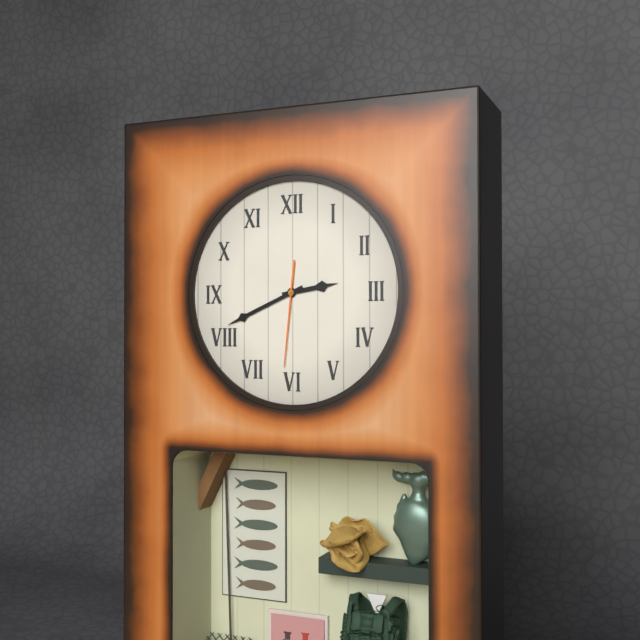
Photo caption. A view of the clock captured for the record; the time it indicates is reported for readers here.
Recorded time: 2:41:31
